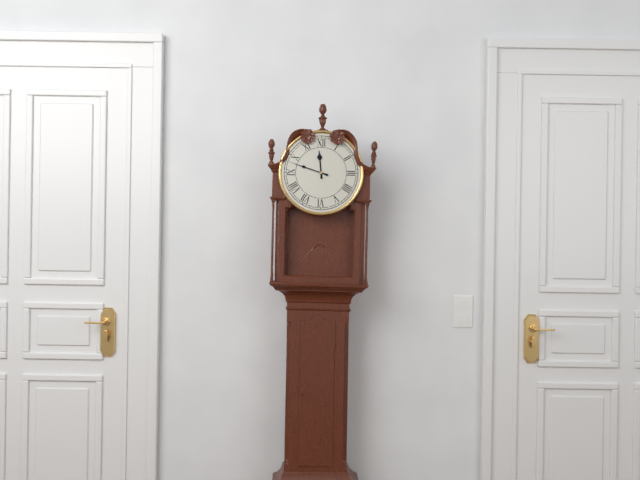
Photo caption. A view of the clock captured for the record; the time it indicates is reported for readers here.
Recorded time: 11:48
